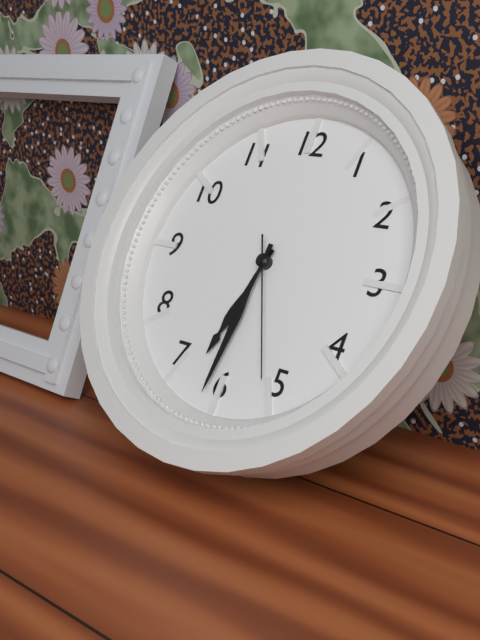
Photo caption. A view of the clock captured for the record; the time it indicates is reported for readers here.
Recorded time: 6:31:26
